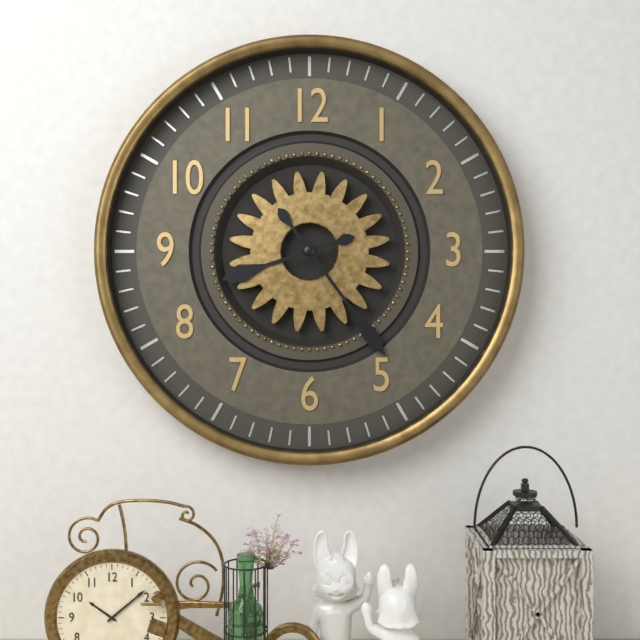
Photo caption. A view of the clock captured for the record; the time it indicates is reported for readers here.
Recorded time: 8:24
